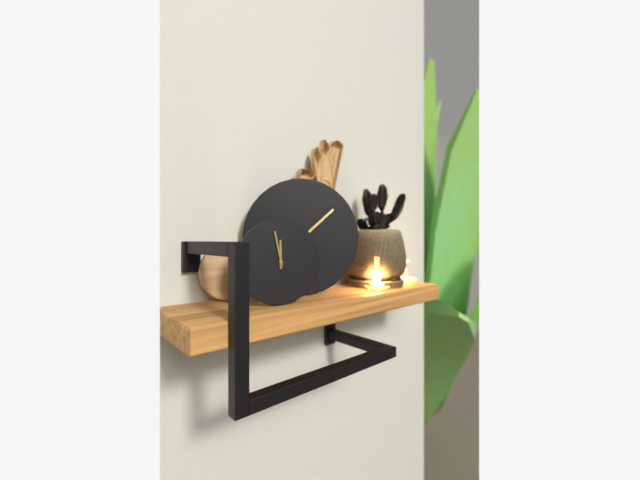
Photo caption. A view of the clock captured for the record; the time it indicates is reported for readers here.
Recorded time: 11:58
